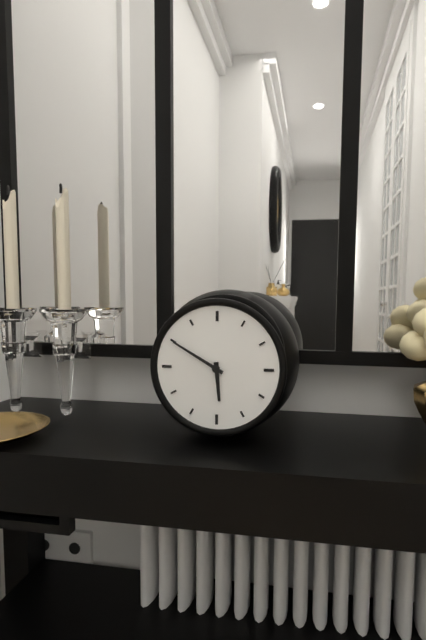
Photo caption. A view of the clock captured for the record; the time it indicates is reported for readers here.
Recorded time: 5:50
